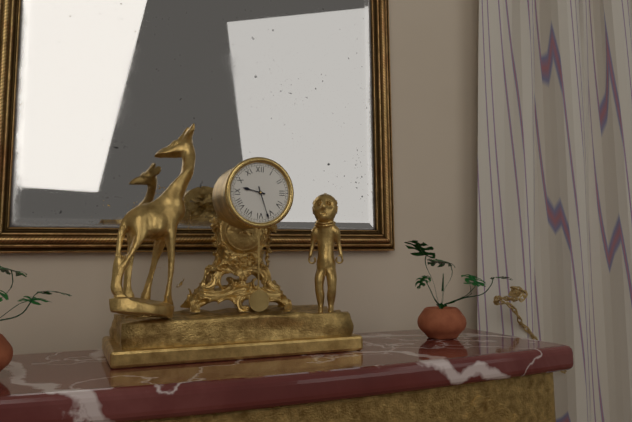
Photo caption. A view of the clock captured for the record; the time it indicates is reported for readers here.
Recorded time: 9:27
